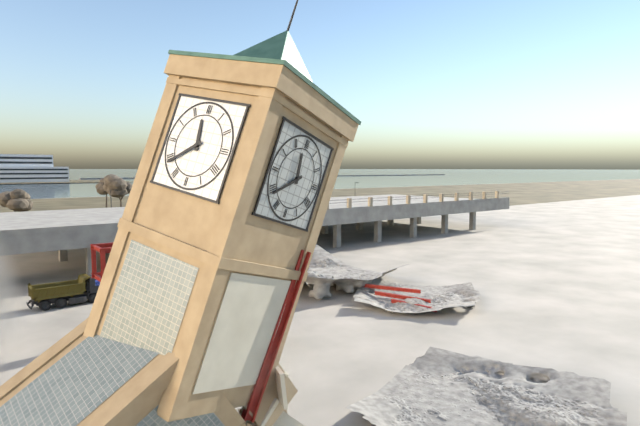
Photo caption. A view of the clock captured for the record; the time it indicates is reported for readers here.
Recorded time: 11:39
